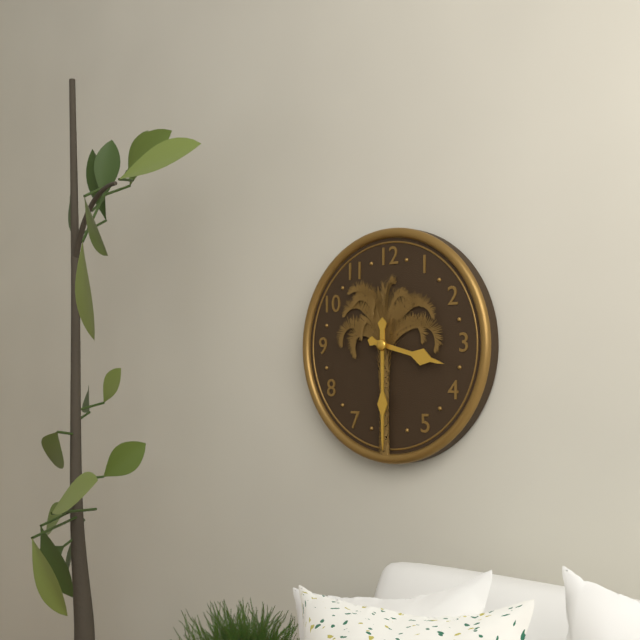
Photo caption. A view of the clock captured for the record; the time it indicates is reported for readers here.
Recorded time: 3:30
